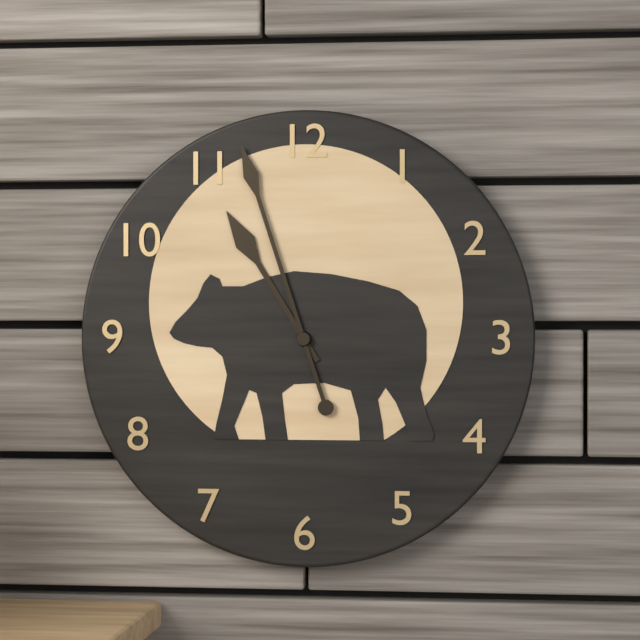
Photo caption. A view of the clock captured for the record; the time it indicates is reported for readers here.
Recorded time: 10:57
